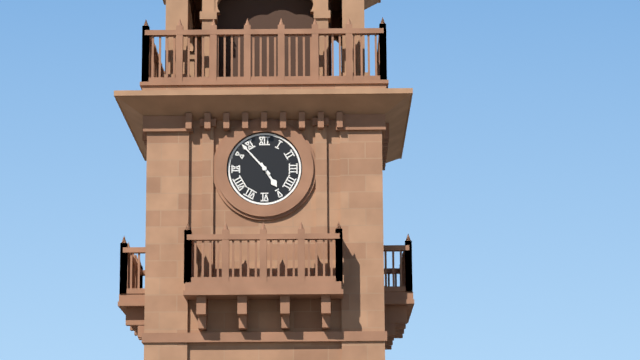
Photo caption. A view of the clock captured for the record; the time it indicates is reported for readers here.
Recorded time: 4:53
